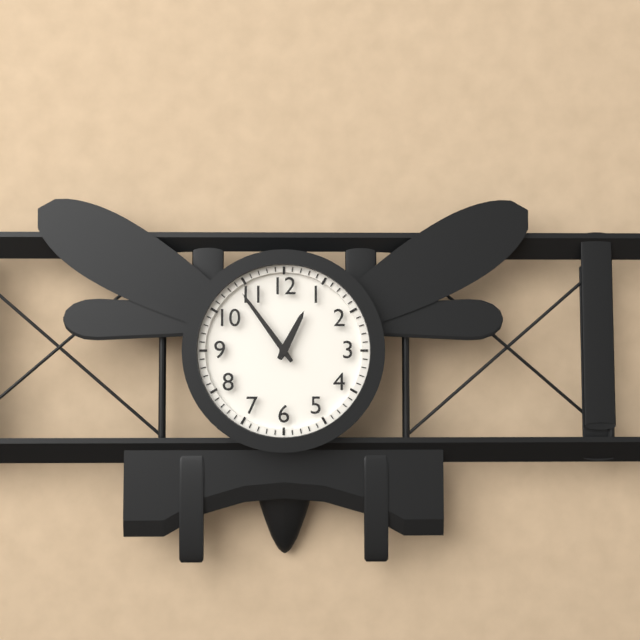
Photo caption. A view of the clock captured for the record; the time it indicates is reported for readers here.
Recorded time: 12:54
